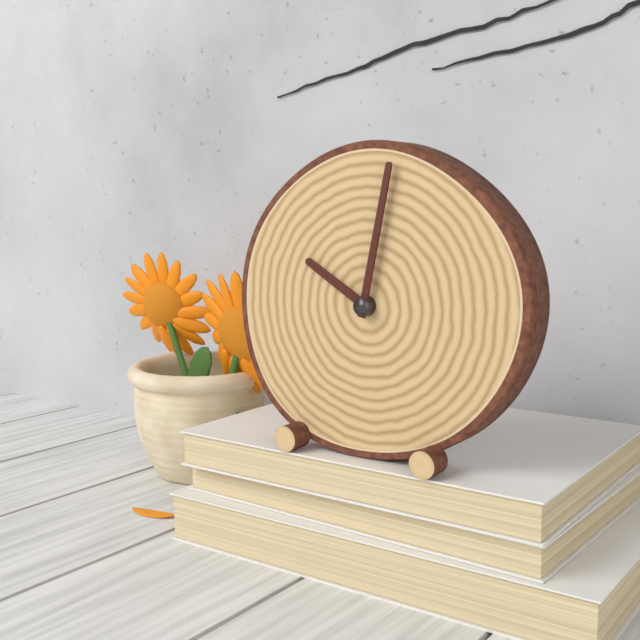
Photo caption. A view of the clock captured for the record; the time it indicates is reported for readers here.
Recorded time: 10:02
